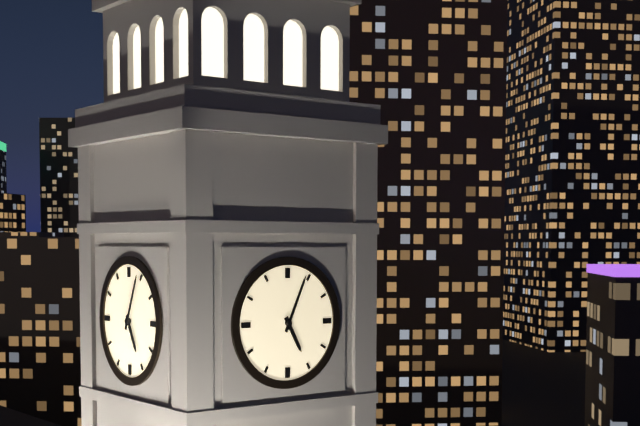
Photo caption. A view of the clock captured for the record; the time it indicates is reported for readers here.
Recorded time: 5:04
